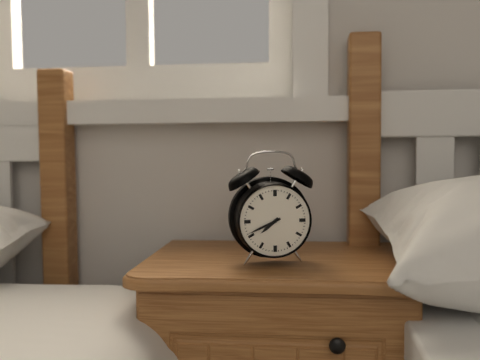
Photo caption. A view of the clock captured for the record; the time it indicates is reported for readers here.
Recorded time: 7:41
